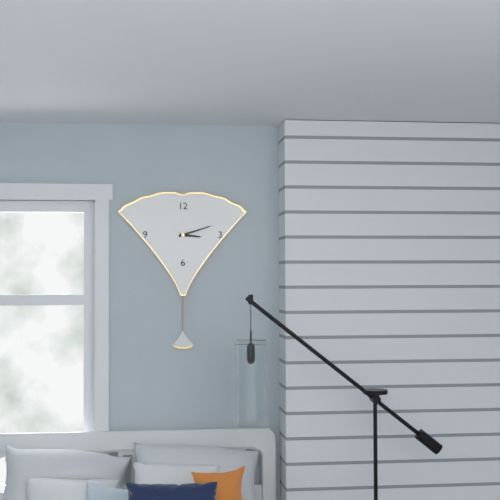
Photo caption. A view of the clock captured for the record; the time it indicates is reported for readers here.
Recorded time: 3:12
